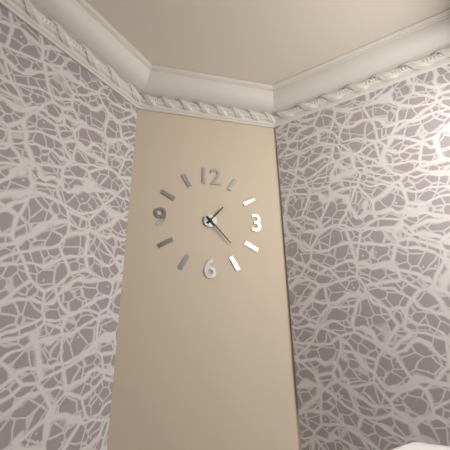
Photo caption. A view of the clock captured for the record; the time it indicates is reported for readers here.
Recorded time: 1:23
